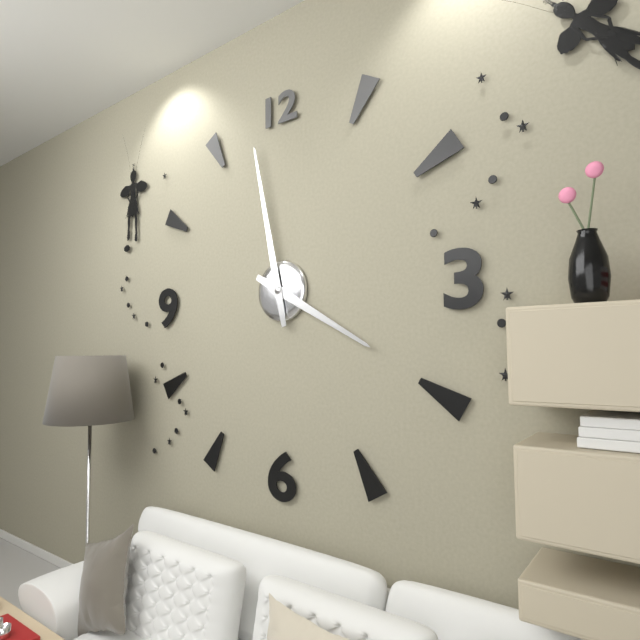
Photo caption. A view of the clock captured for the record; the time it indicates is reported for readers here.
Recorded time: 3:58
